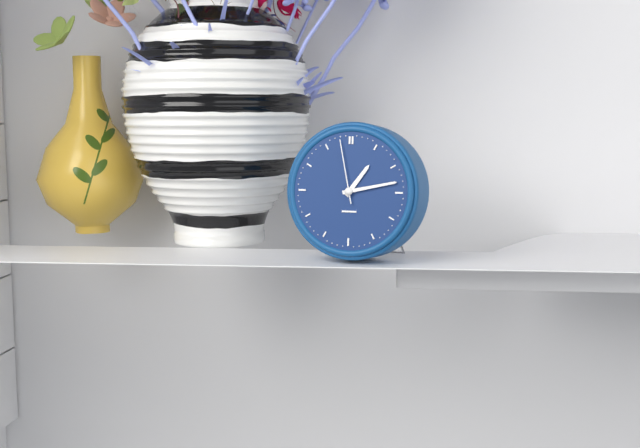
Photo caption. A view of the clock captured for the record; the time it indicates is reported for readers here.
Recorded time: 1:13:58
